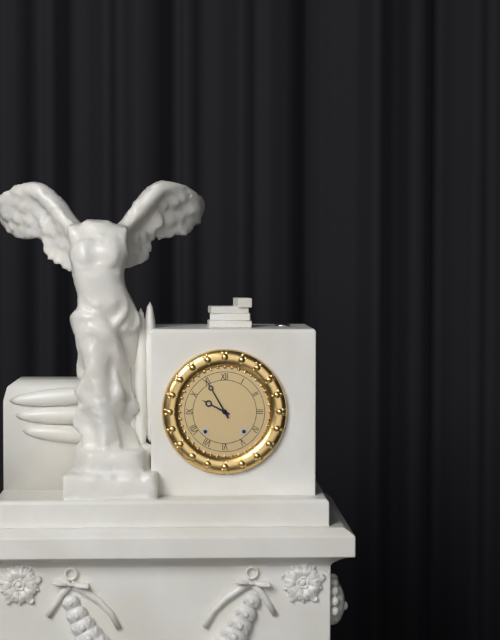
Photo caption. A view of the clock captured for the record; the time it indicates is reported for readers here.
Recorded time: 9:55
